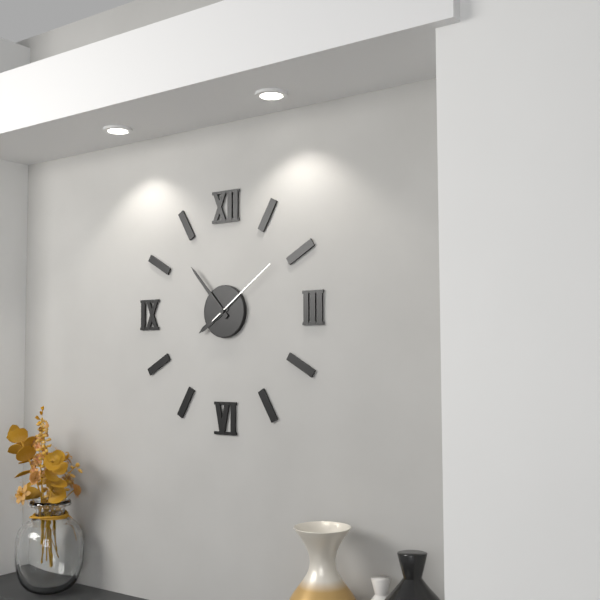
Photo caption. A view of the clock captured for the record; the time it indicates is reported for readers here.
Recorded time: 7:53:09
